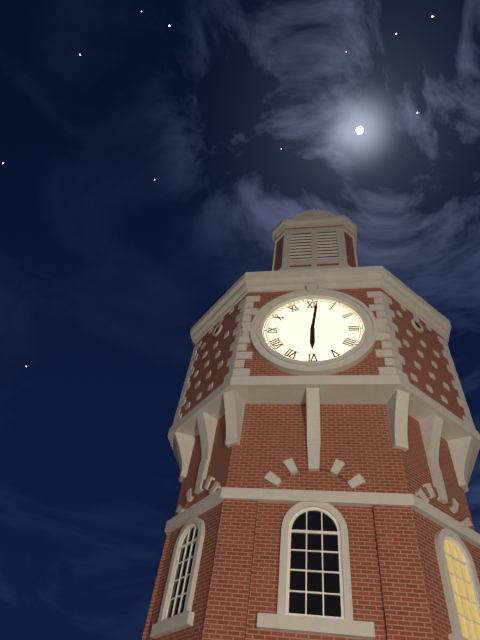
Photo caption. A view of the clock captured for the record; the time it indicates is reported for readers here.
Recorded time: 6:01
